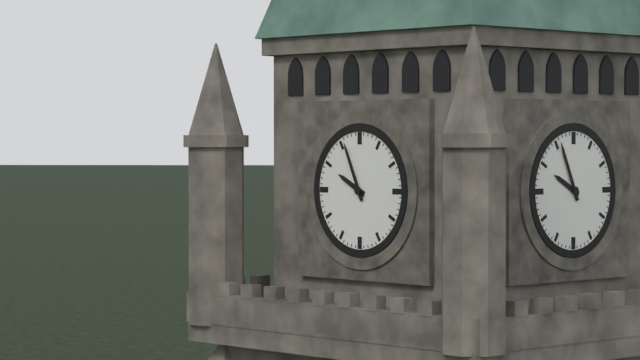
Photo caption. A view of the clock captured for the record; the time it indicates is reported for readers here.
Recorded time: 9:56
